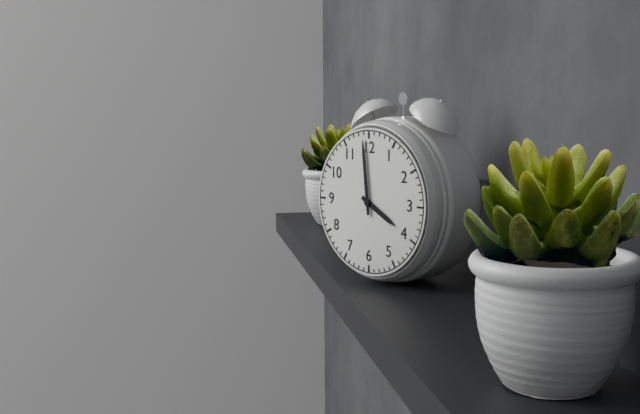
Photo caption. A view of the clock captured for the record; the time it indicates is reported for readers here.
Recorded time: 3:59
